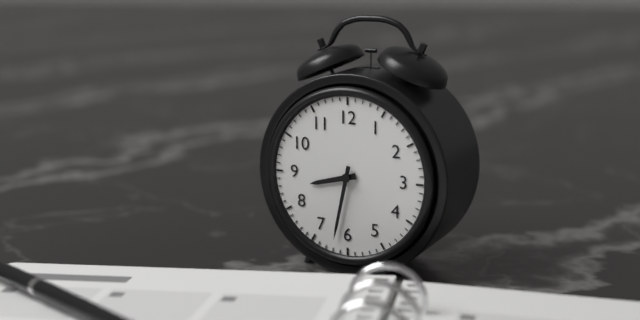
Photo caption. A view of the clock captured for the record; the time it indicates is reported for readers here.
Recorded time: 8:32
